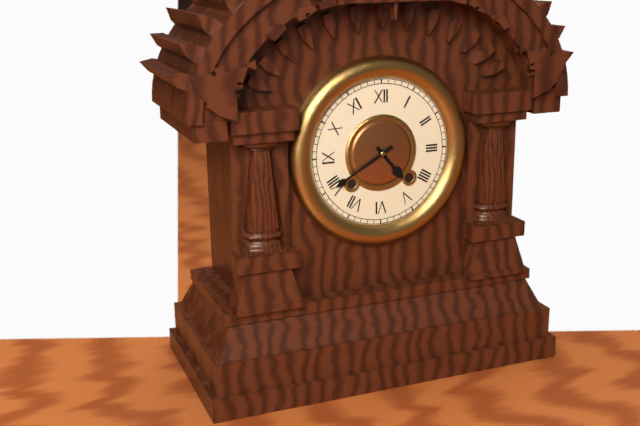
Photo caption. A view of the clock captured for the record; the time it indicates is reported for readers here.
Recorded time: 4:40
